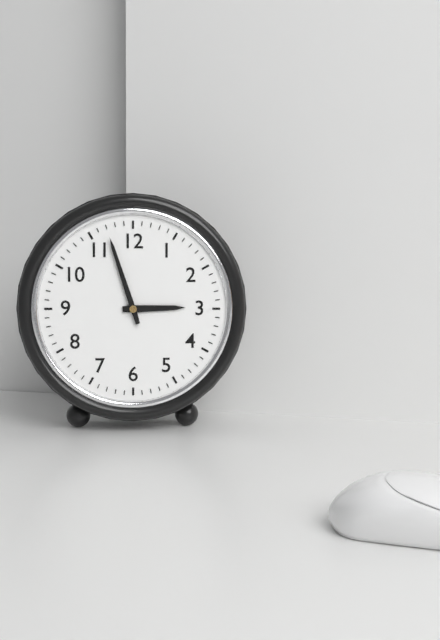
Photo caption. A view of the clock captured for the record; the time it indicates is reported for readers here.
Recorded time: 2:57
